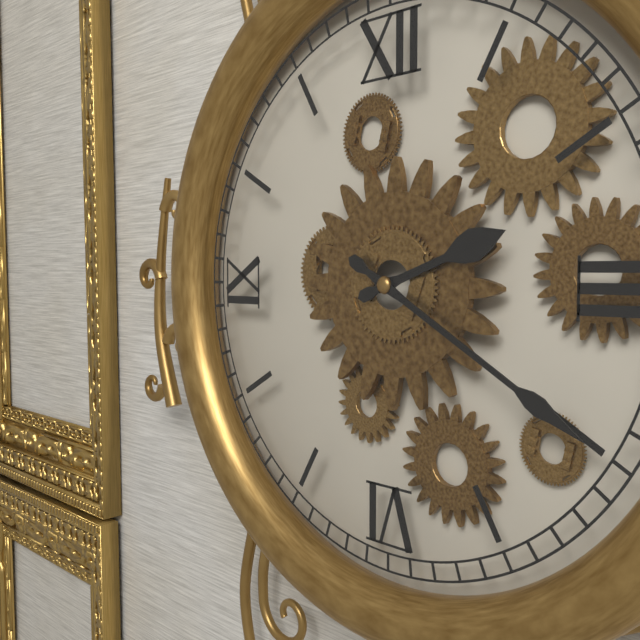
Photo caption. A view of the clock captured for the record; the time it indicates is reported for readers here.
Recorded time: 2:20
